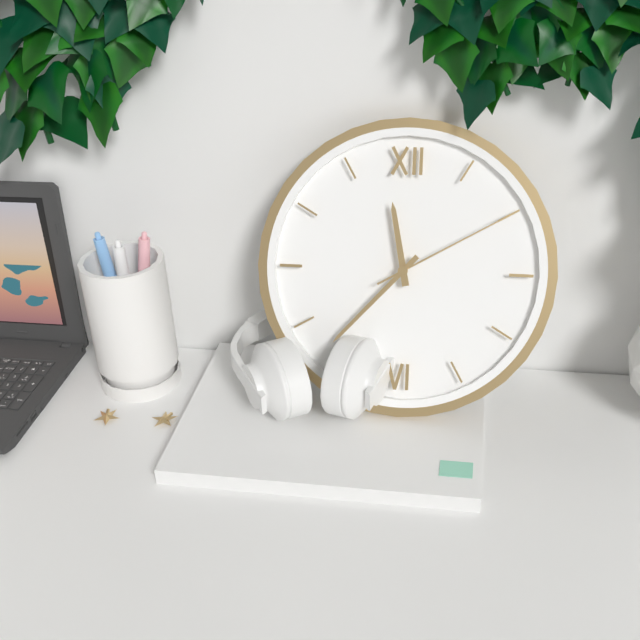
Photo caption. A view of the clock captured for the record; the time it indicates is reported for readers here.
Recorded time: 11:37:10
